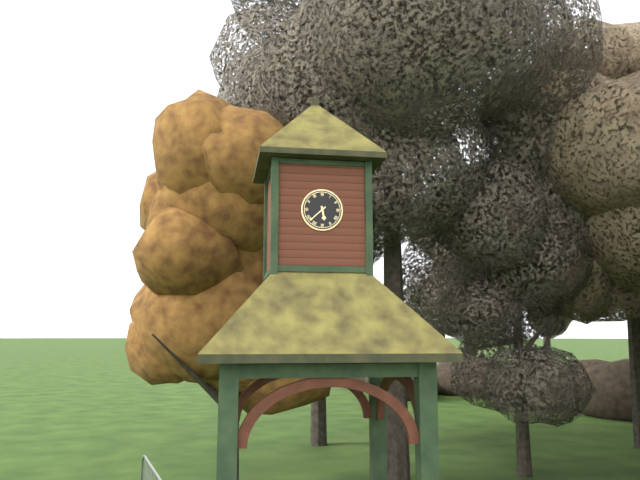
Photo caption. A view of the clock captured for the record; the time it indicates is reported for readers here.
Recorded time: 5:38
